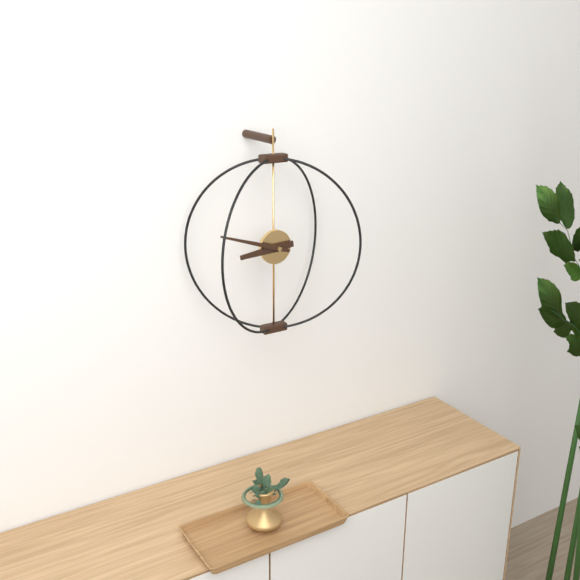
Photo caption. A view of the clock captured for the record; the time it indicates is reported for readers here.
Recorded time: 8:48
